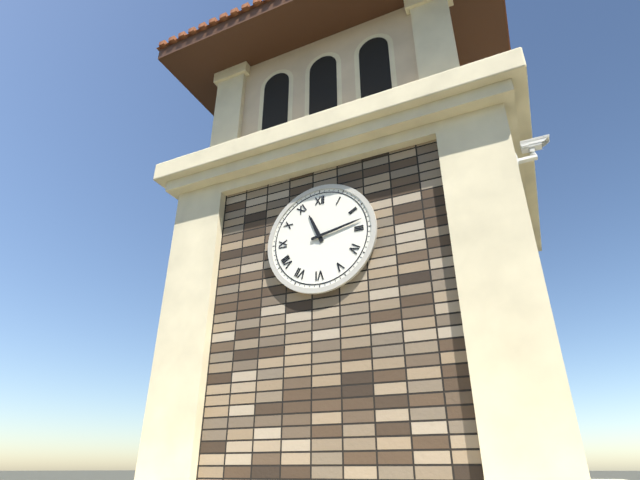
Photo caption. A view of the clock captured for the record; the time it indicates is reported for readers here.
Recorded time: 11:13
